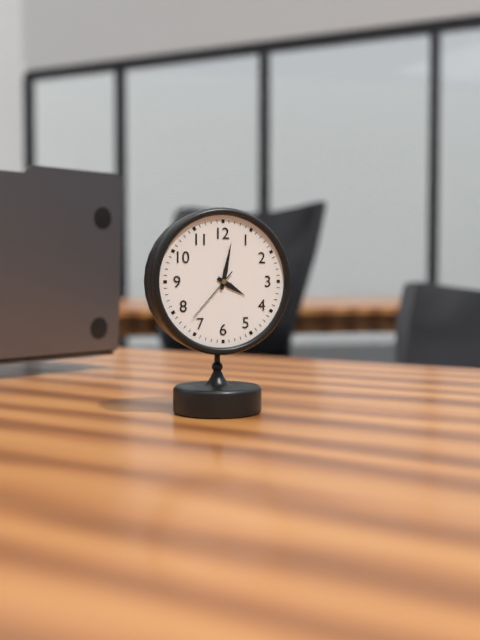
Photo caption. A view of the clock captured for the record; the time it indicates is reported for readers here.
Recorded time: 4:02:37
